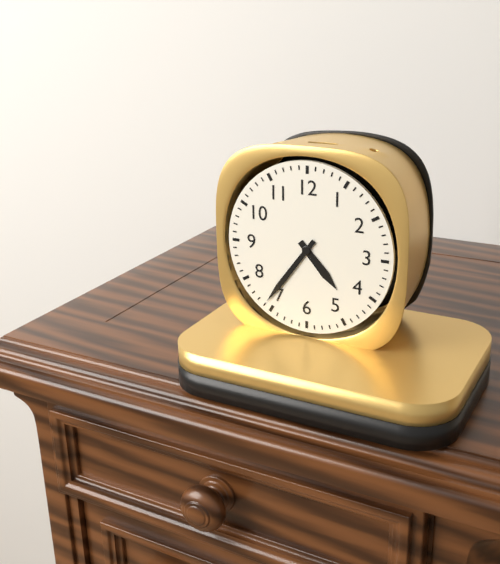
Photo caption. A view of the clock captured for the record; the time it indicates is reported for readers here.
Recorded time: 4:36
